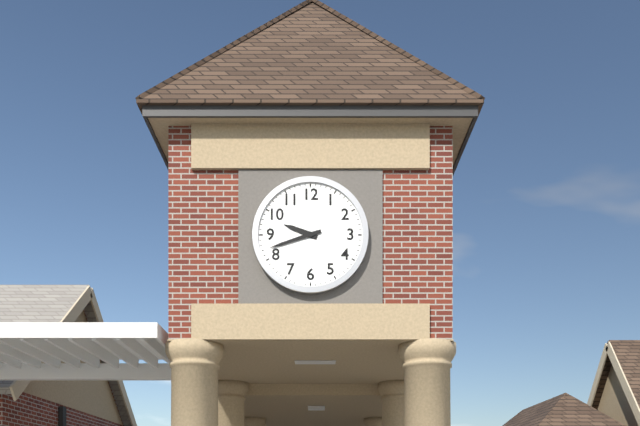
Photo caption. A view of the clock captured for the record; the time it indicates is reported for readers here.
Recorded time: 9:42
